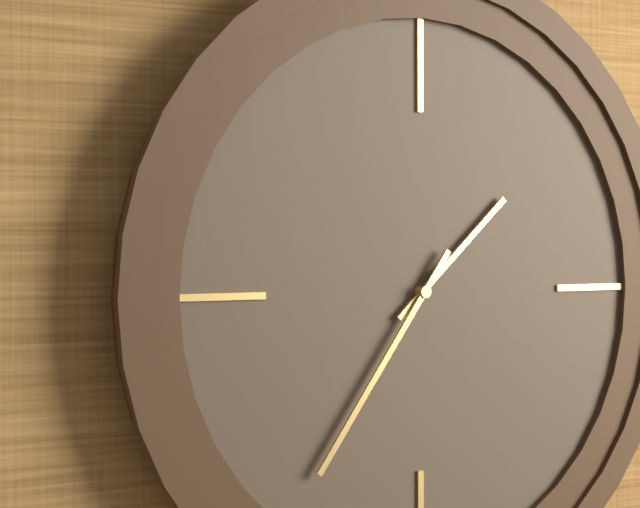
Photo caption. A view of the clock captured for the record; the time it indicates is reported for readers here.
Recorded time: 1:36
